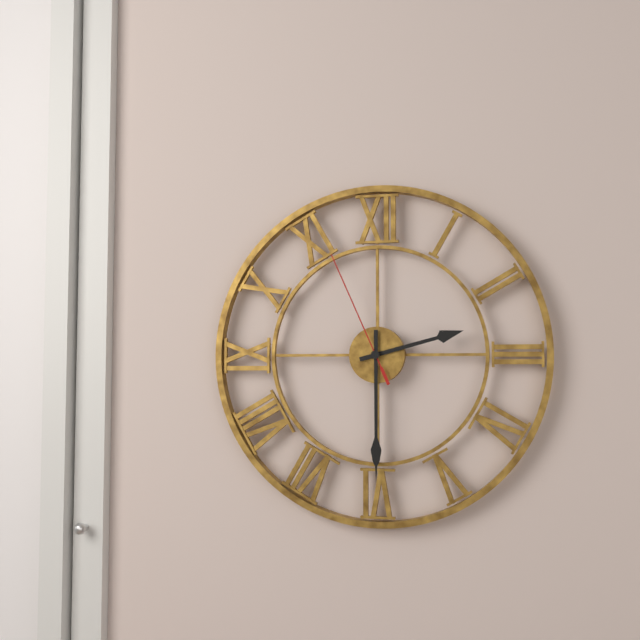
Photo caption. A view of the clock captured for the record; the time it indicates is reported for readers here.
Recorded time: 2:30:56
